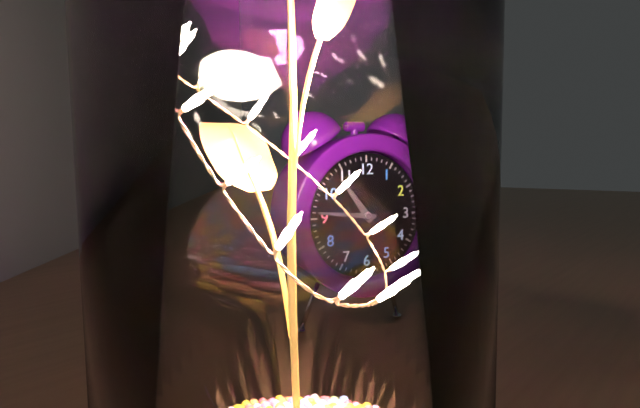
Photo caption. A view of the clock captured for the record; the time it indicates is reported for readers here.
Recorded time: 10:46
